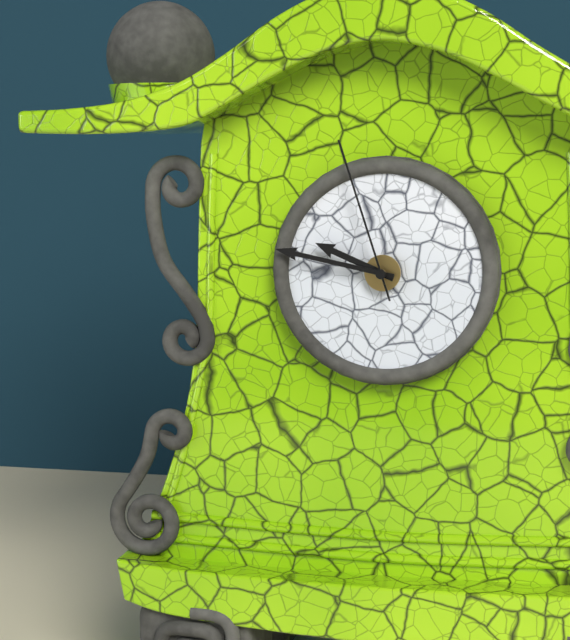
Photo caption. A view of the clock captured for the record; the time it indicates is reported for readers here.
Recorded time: 9:47:57
